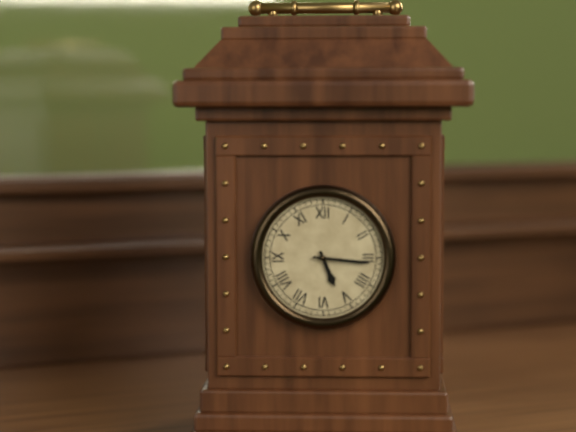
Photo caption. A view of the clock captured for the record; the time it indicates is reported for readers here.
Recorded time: 5:16
